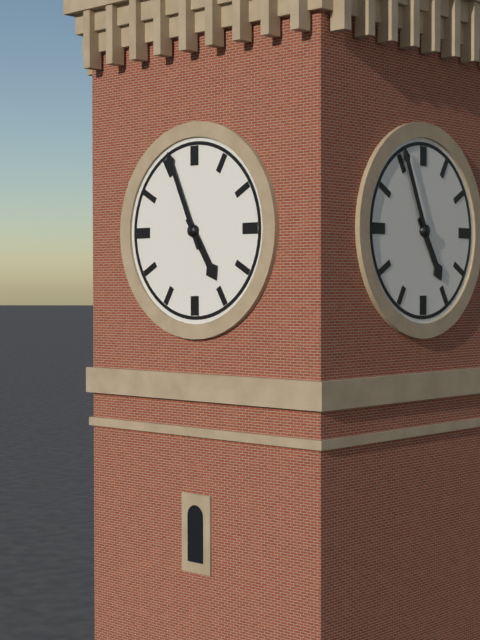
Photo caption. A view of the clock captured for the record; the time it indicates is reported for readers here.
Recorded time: 4:56
